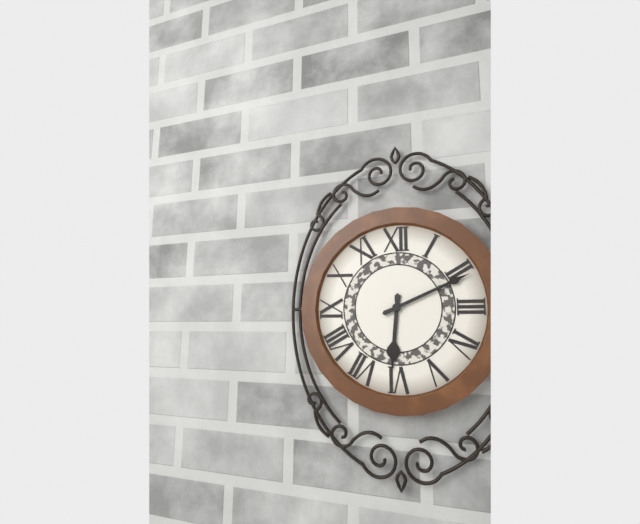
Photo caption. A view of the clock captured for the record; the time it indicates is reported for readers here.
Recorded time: 6:11
